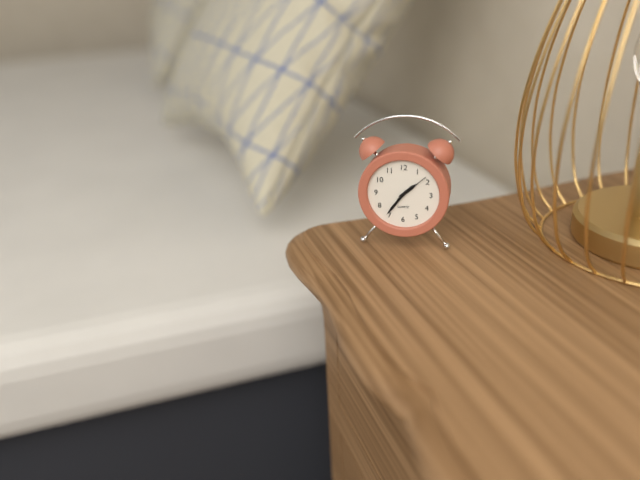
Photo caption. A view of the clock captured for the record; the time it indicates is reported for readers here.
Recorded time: 1:36
